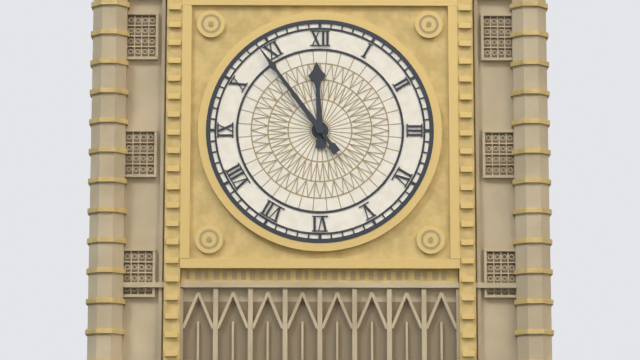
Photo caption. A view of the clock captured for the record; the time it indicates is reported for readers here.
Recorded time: 11:54
